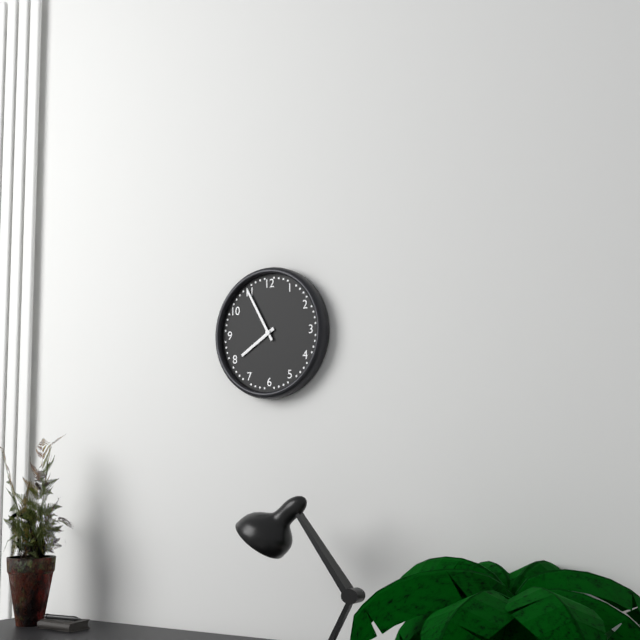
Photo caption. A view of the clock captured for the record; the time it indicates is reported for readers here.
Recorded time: 7:55
